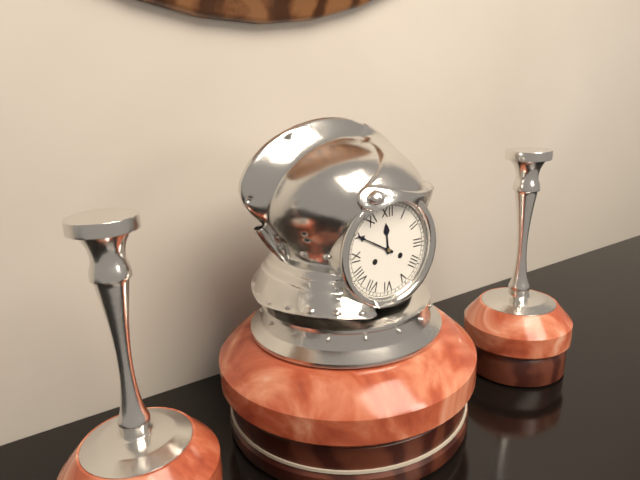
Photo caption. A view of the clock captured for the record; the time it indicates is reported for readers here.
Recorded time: 11:50
